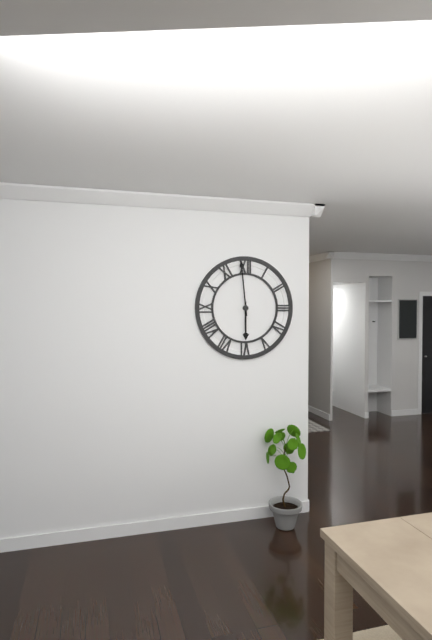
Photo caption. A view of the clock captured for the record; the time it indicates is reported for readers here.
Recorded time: 5:59
